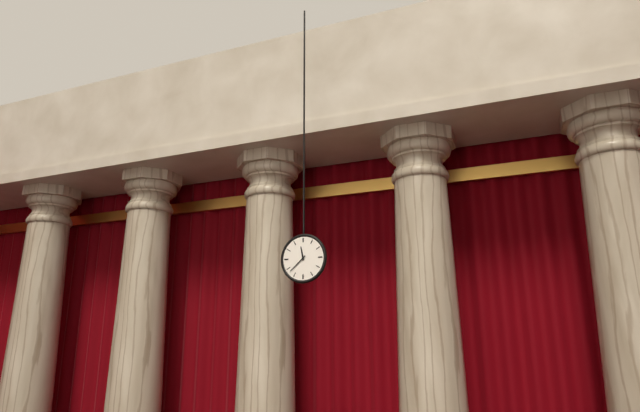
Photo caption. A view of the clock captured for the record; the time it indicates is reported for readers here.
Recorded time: 11:38
